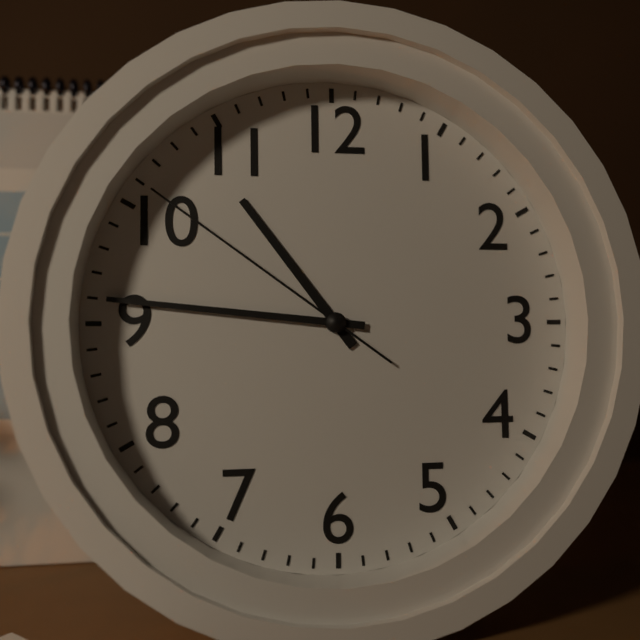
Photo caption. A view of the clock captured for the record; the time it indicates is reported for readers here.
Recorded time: 10:46:51
